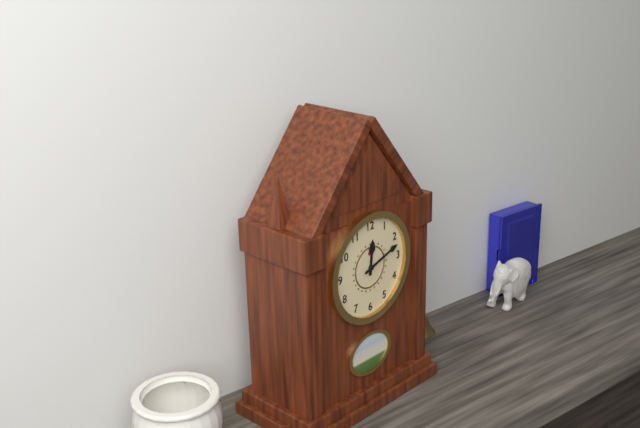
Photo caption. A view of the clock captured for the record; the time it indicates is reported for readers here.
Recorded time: 12:12
